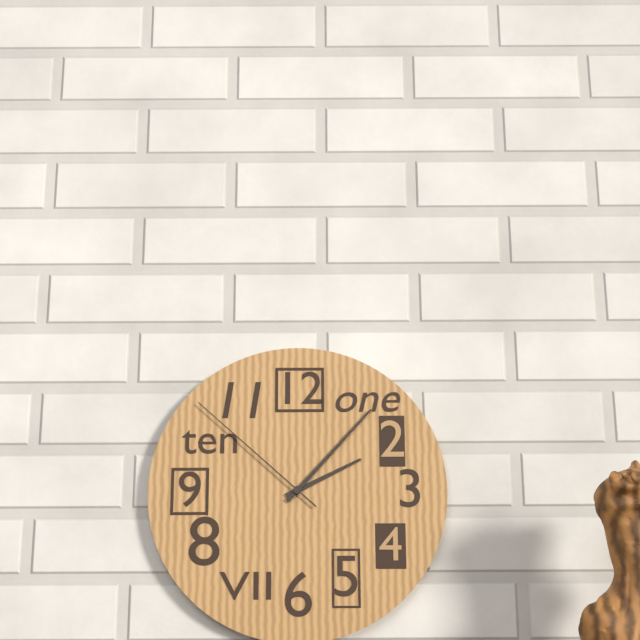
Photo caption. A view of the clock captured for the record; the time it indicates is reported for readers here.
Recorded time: 2:07:52
